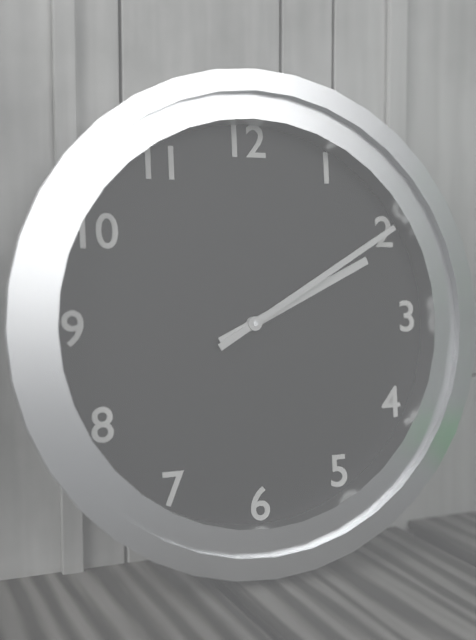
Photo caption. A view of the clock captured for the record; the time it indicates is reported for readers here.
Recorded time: 2:10
